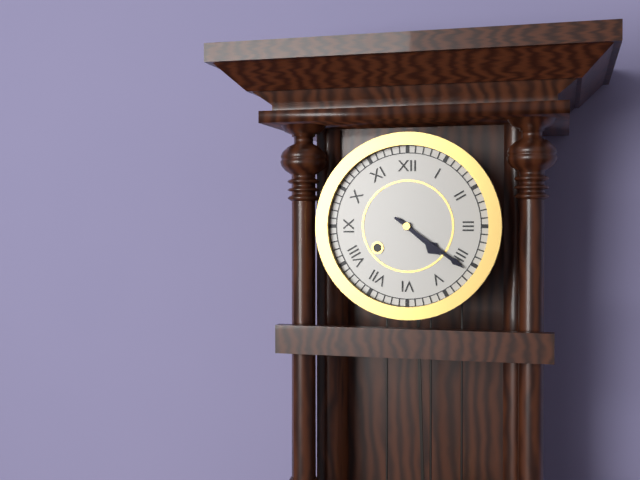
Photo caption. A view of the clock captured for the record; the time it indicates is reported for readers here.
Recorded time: 4:21
